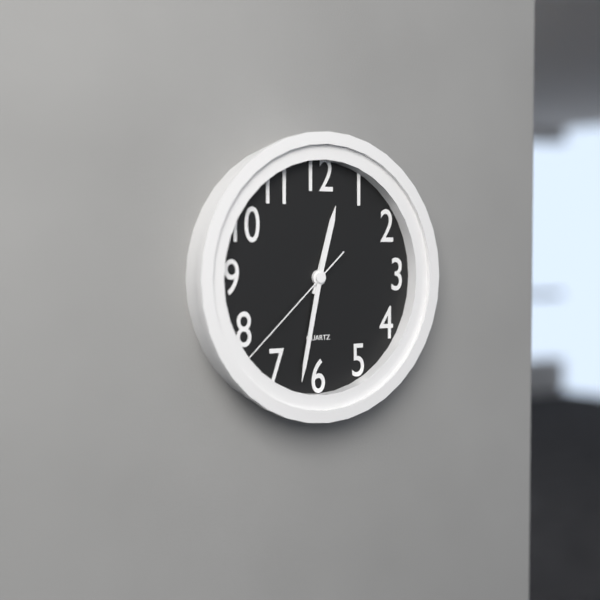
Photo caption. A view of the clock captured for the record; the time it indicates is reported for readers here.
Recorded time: 12:32:38
